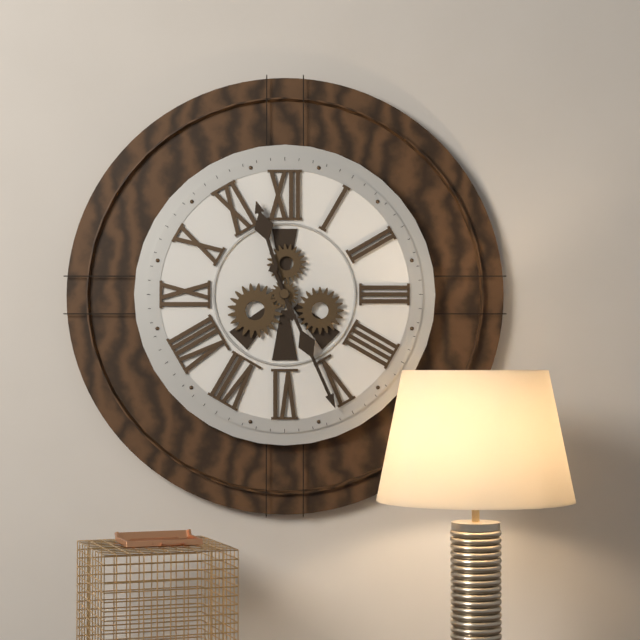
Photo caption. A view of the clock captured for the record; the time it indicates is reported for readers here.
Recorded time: 11:26
